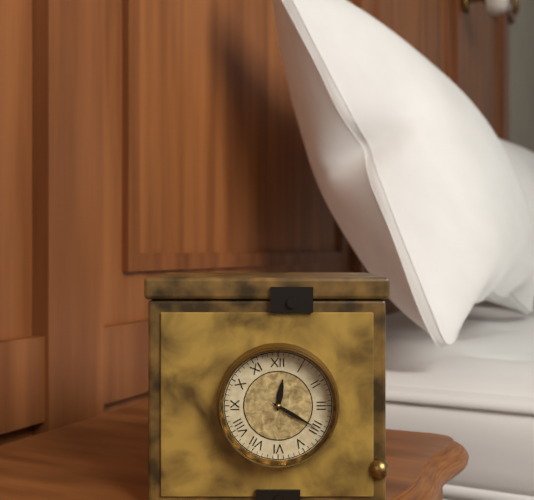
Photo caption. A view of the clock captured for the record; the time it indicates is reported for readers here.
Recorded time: 12:20
